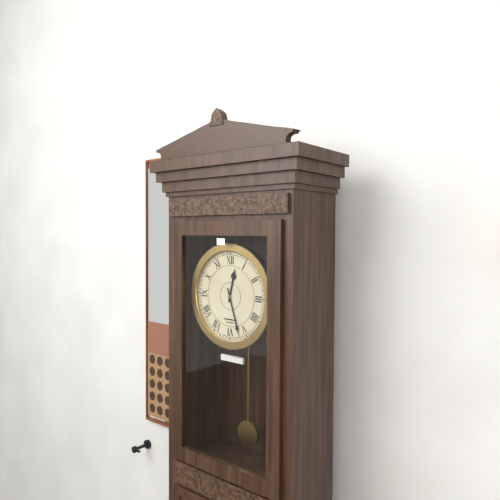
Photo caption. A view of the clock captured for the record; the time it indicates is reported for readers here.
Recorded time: 12:27
